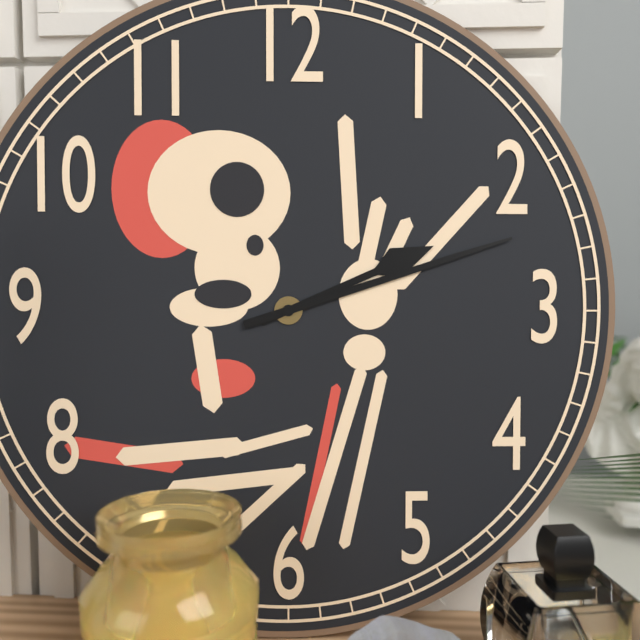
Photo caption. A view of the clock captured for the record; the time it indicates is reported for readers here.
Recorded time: 2:12
